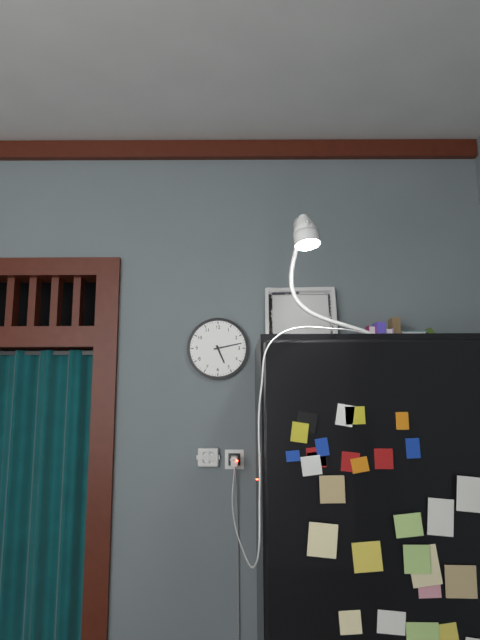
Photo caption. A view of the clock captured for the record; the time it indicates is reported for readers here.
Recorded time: 5:13
